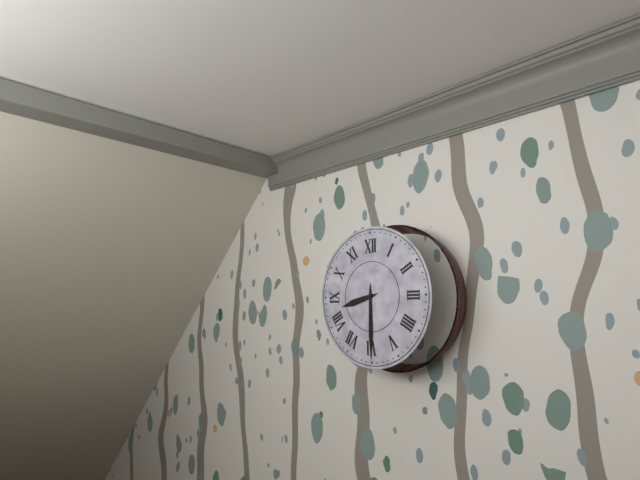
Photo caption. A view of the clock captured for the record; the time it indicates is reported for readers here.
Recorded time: 8:30
